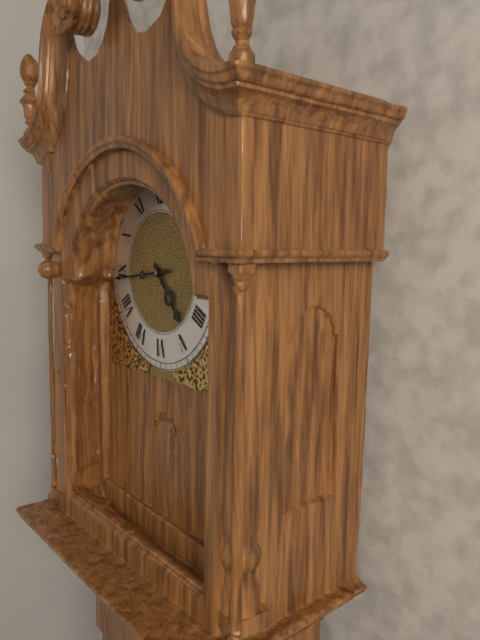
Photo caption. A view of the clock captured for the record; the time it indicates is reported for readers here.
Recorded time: 4:44
